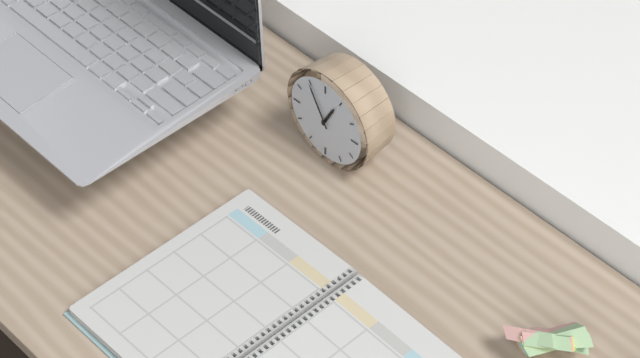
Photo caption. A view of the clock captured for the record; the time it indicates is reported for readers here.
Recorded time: 12:55
